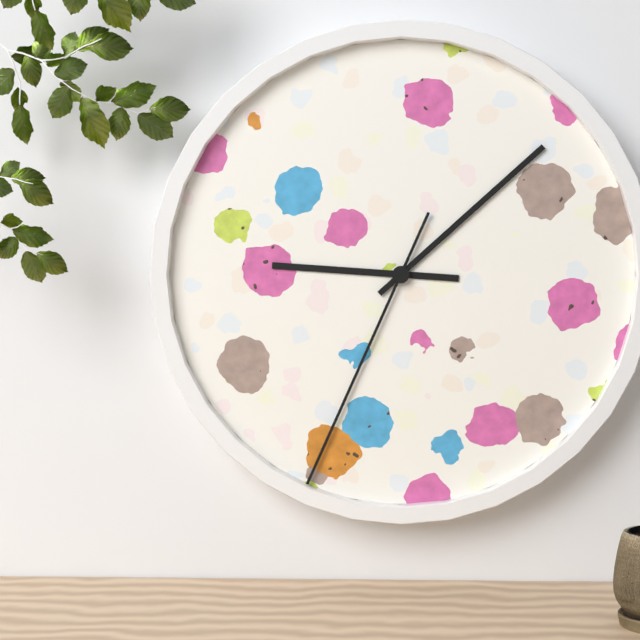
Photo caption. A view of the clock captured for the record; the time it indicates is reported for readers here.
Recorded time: 9:08:34
